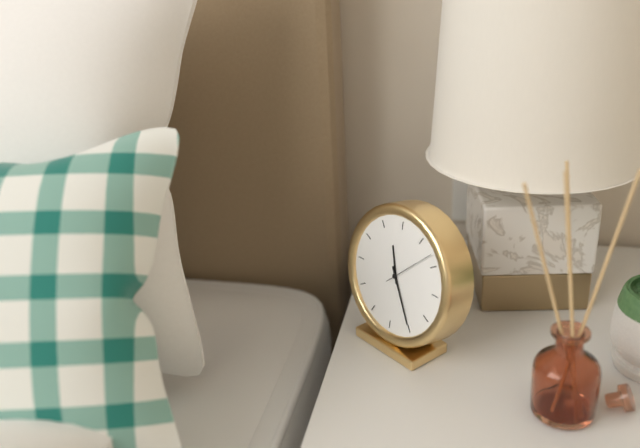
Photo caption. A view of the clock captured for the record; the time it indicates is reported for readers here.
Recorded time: 11:25:08
